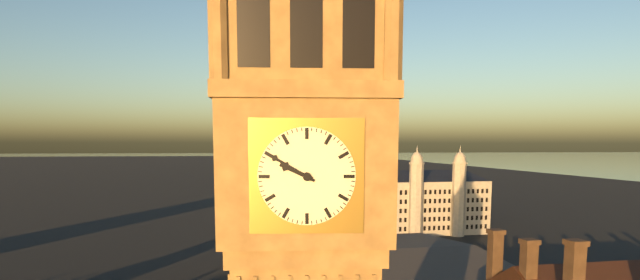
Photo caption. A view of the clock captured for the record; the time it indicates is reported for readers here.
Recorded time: 9:50
